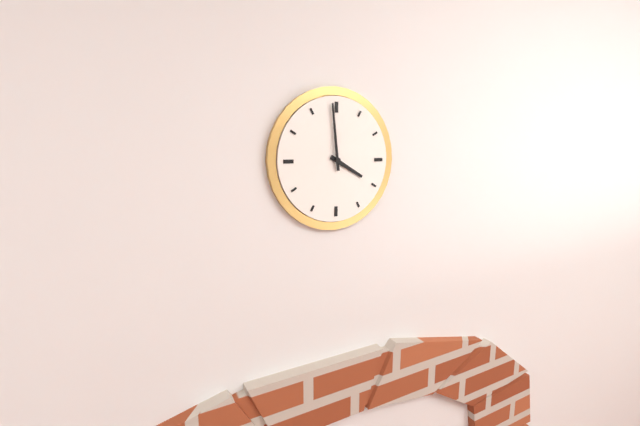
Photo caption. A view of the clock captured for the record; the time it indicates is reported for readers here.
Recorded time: 3:59
